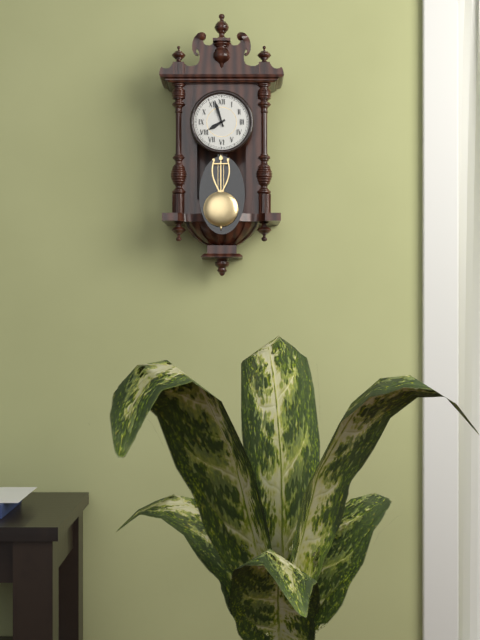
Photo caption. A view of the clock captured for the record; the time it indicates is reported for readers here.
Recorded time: 7:57
